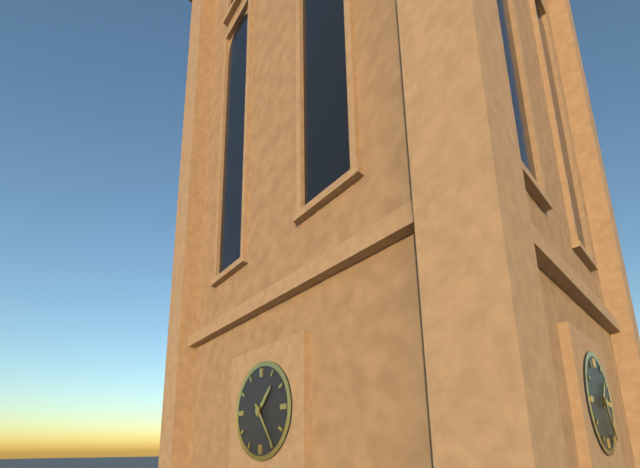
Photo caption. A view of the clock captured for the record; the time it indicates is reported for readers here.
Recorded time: 1:24
